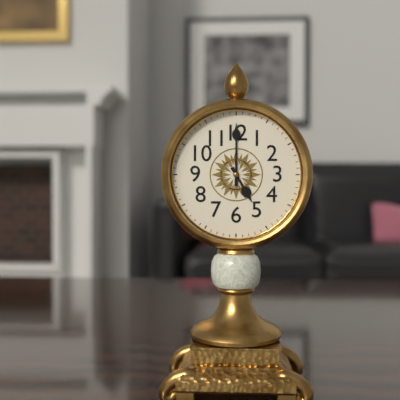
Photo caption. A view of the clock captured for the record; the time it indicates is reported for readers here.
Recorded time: 5:00
